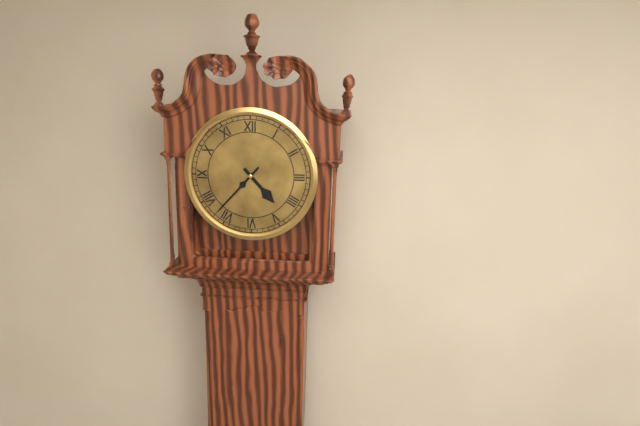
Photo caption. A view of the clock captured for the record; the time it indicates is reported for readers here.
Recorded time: 4:37
